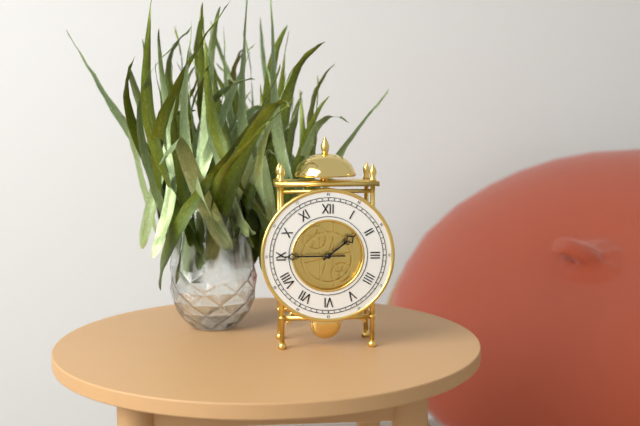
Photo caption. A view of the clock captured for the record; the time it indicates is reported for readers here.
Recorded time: 1:45
